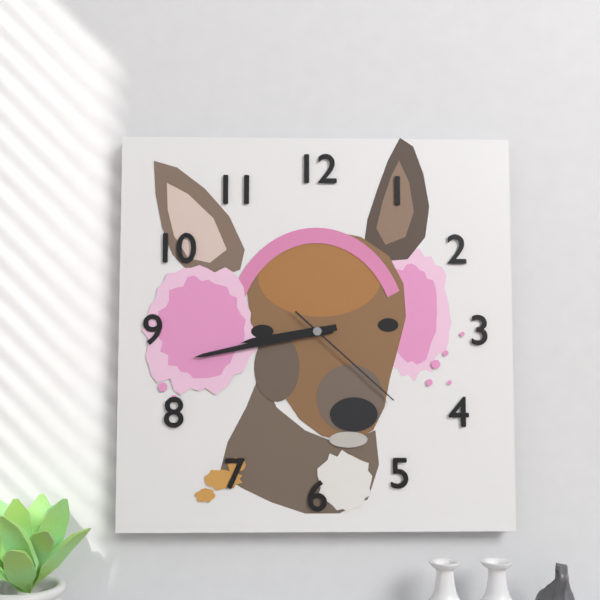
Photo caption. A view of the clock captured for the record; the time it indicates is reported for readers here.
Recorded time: 8:43:22
